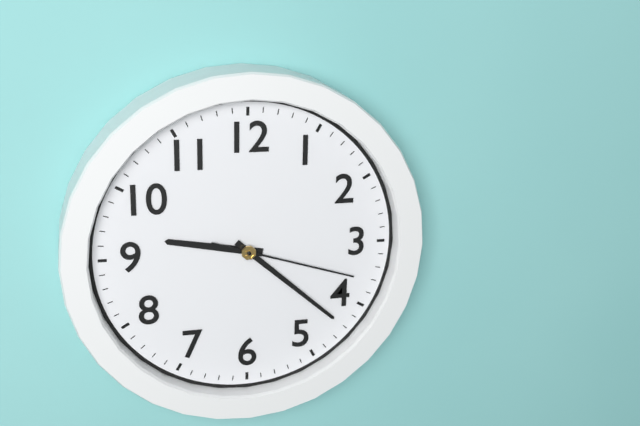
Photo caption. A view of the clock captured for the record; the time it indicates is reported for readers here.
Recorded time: 9:22:18
